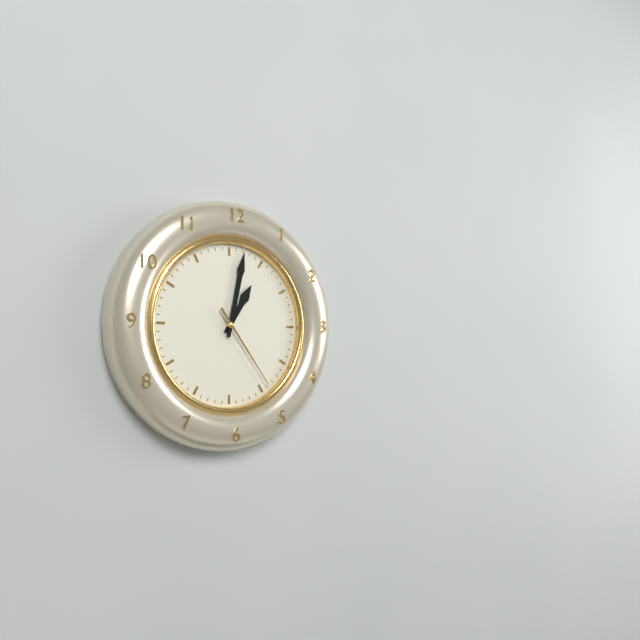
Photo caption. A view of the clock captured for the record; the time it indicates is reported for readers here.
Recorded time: 1:02:24
